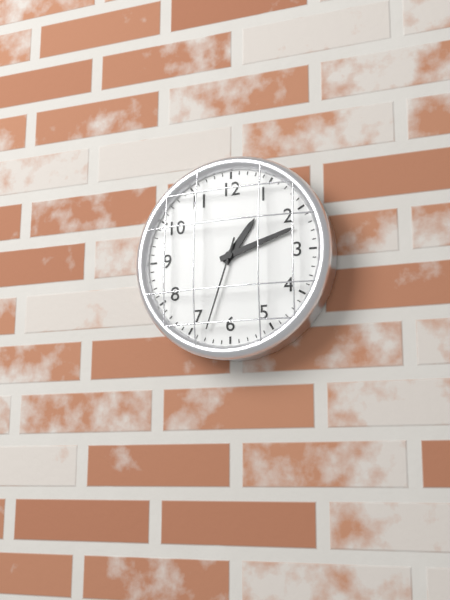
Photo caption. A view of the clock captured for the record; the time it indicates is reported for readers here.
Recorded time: 1:12:33
